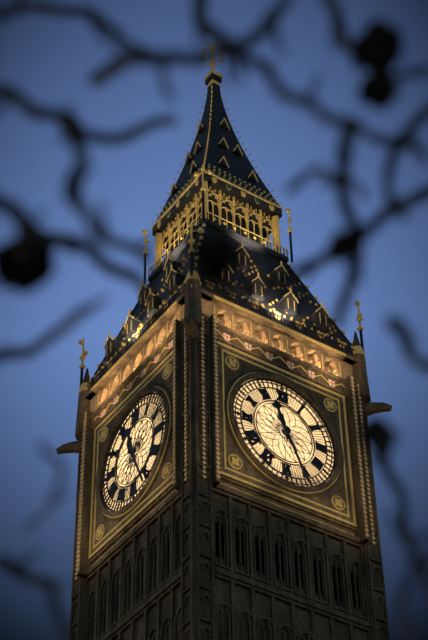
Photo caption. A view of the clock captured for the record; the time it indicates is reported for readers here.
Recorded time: 11:26
